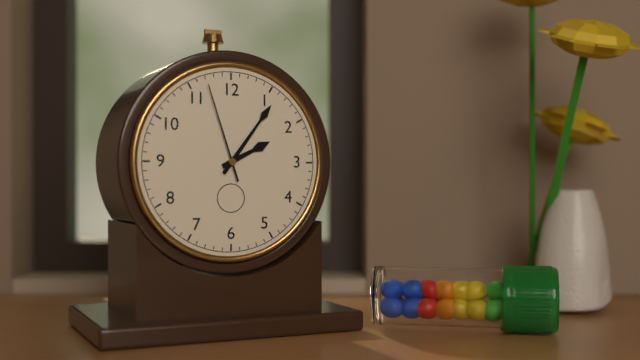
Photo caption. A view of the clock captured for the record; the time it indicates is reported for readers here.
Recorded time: 2:06:57
